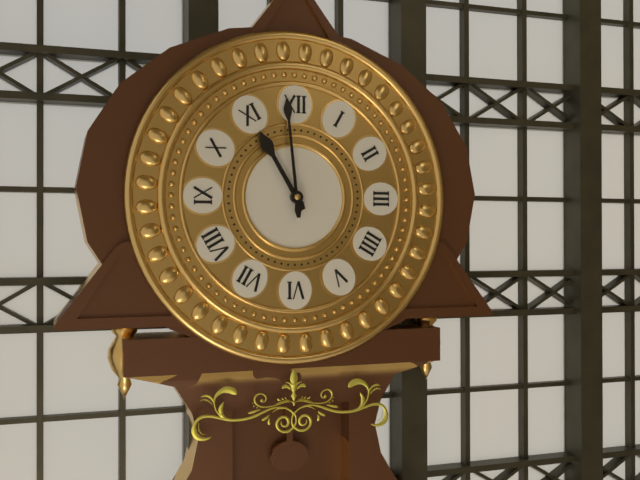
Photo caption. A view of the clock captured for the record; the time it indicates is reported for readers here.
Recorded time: 10:59
